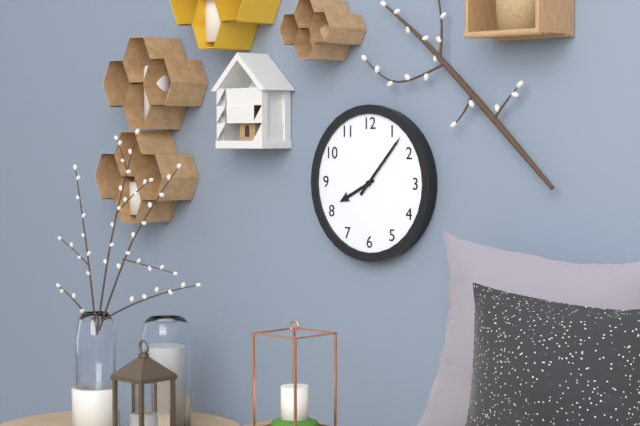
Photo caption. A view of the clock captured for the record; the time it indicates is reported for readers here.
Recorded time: 8:07
